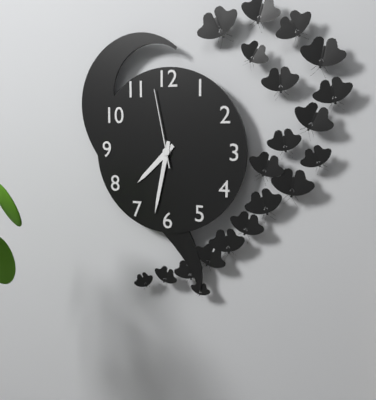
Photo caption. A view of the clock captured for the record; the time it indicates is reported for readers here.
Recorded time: 7:32:58
